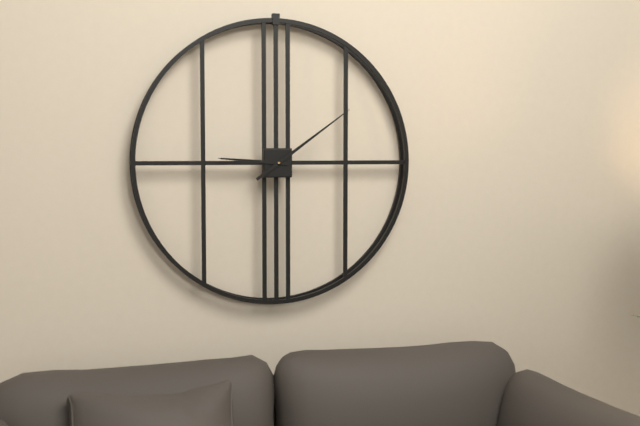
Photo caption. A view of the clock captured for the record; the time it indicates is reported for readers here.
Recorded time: 9:09
